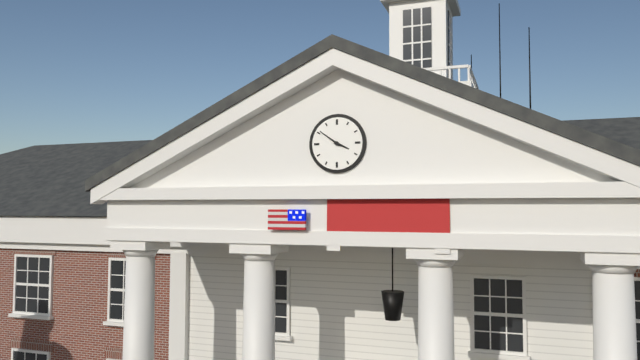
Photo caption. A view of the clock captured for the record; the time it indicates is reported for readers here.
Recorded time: 3:51
